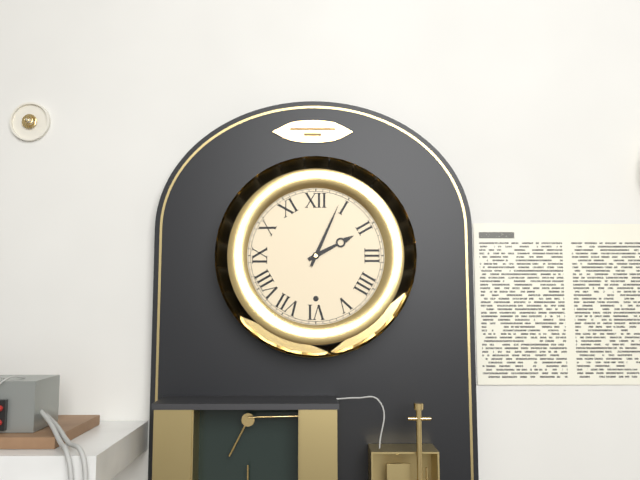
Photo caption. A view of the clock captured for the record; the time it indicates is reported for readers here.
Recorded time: 2:04
